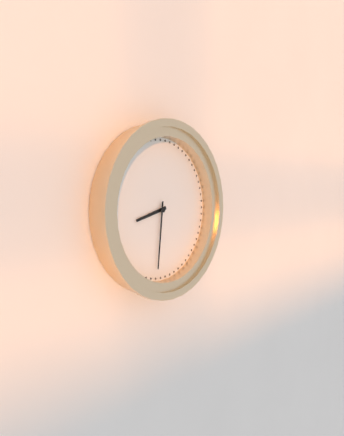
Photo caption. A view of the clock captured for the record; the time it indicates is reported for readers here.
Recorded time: 8:31
